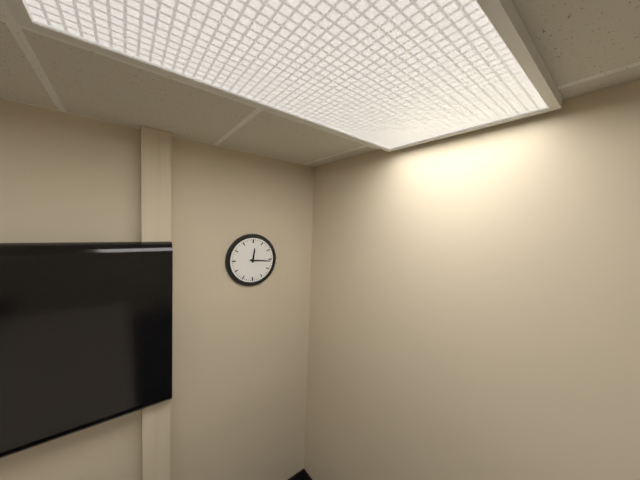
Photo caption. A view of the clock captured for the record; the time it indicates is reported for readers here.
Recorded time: 12:16
